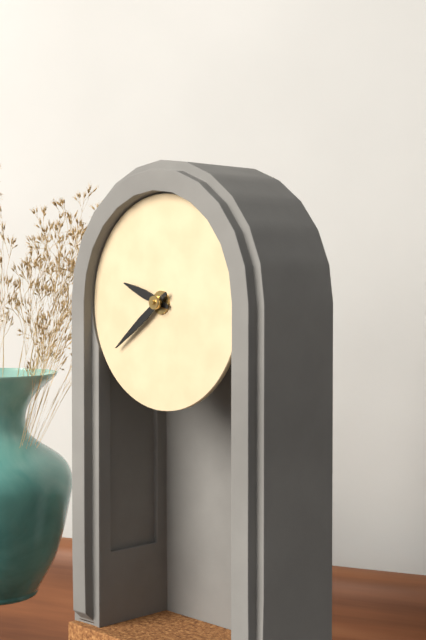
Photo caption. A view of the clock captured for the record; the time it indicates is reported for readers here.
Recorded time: 9:39
